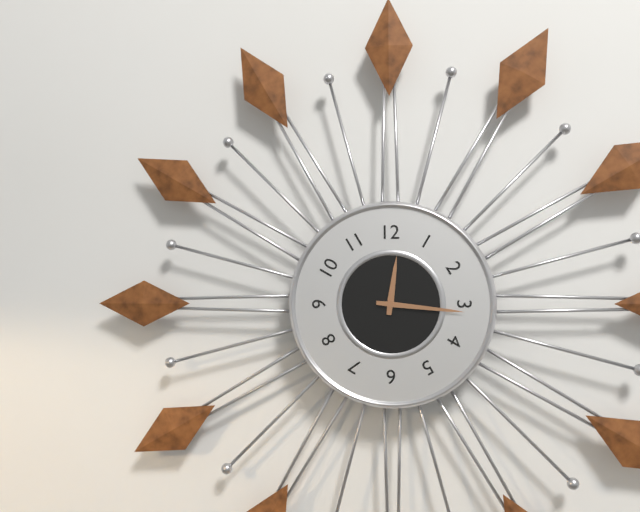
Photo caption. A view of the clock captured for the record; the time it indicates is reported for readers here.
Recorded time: 12:16
